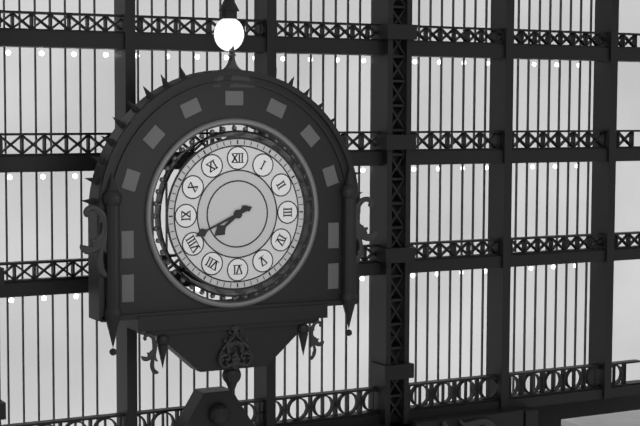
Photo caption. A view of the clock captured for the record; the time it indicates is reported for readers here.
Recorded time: 7:41
